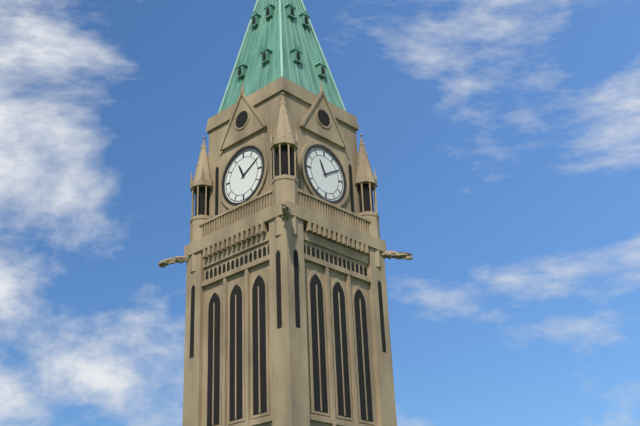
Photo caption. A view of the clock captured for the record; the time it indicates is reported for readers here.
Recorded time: 11:10
